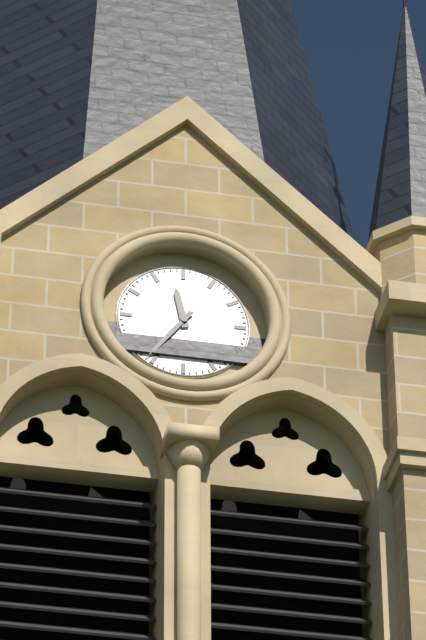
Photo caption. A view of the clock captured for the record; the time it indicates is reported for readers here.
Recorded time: 11:36
